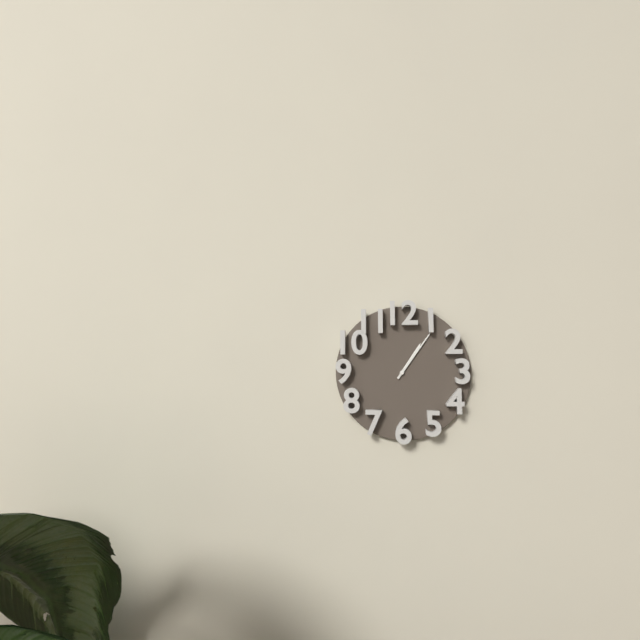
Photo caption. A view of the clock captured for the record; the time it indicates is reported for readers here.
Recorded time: 1:06
